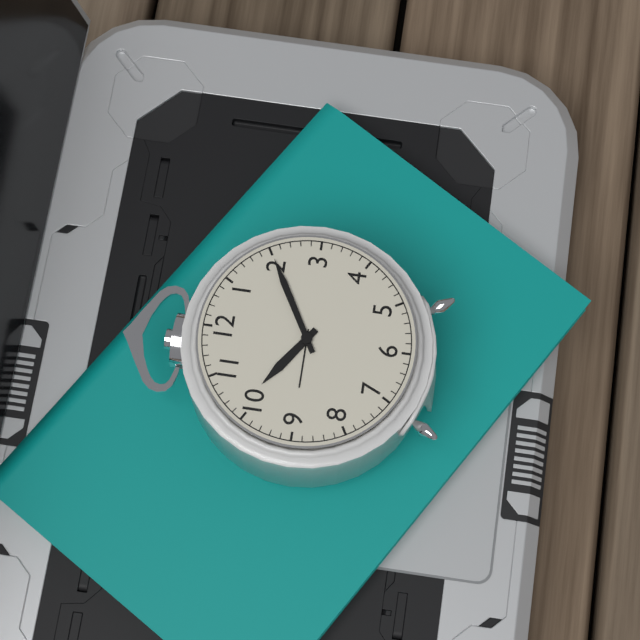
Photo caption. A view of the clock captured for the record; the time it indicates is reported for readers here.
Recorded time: 10:10
